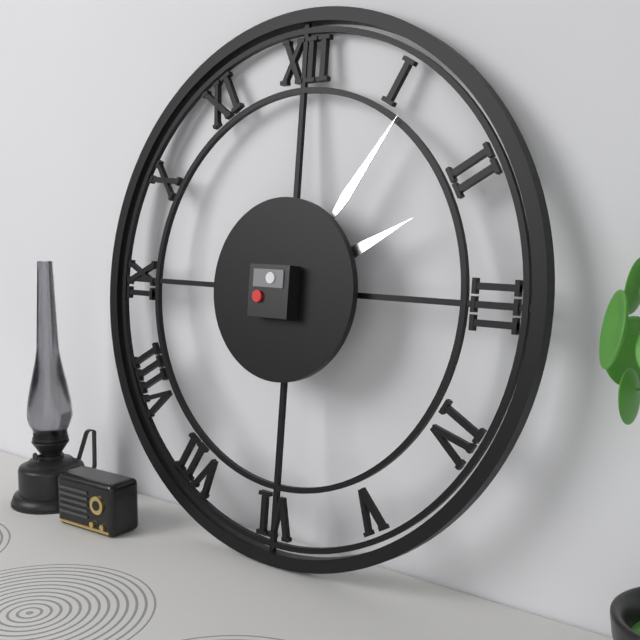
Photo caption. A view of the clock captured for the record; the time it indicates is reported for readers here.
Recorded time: 2:06
